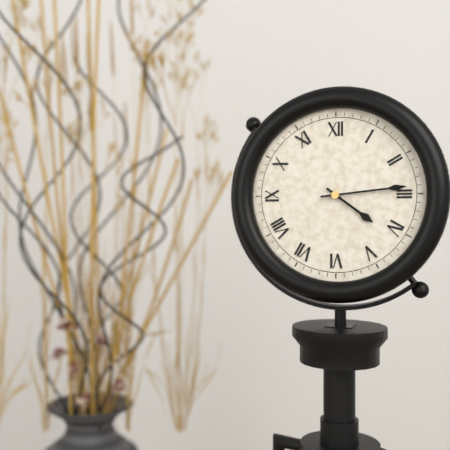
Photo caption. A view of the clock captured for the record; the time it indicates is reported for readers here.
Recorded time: 4:14
